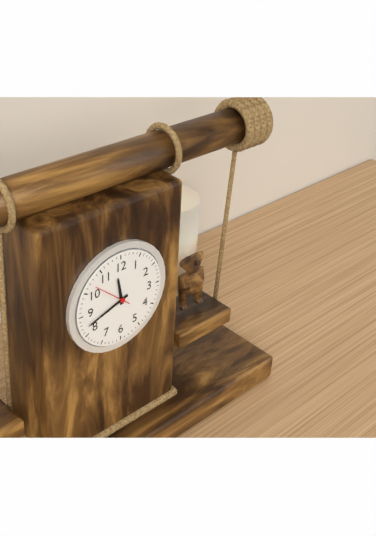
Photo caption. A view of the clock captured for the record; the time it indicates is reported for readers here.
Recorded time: 11:42
